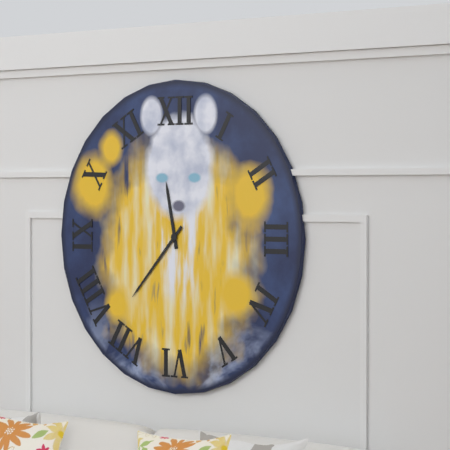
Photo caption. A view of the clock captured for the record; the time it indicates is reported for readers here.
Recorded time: 11:37
